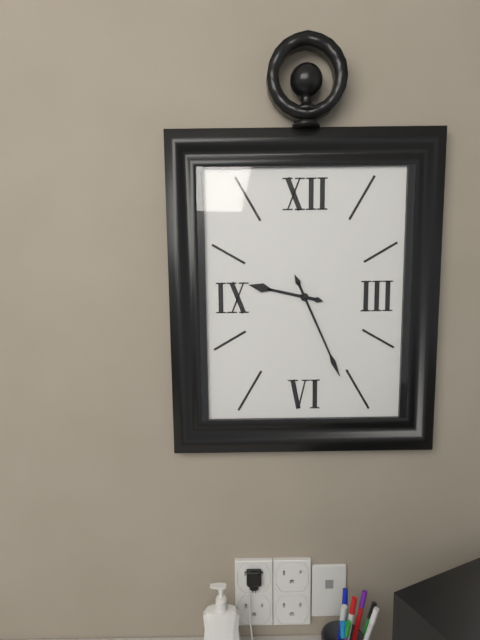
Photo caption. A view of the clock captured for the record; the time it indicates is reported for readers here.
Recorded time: 9:26
